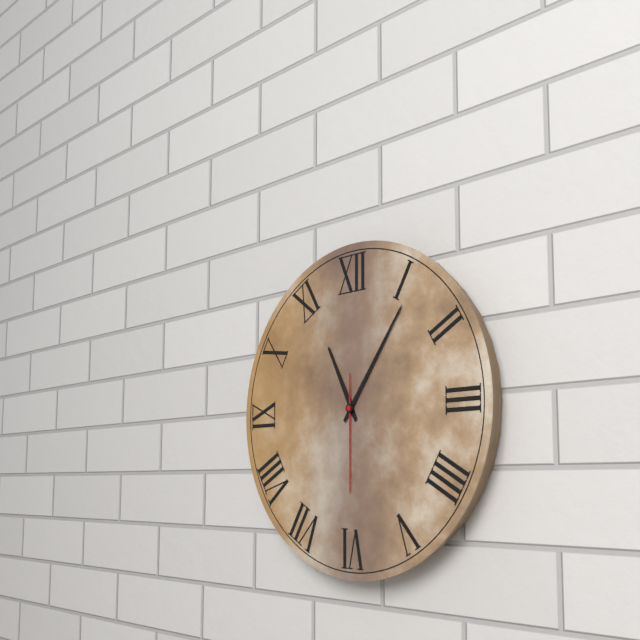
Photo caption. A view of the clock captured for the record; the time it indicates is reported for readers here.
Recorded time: 11:06:30
